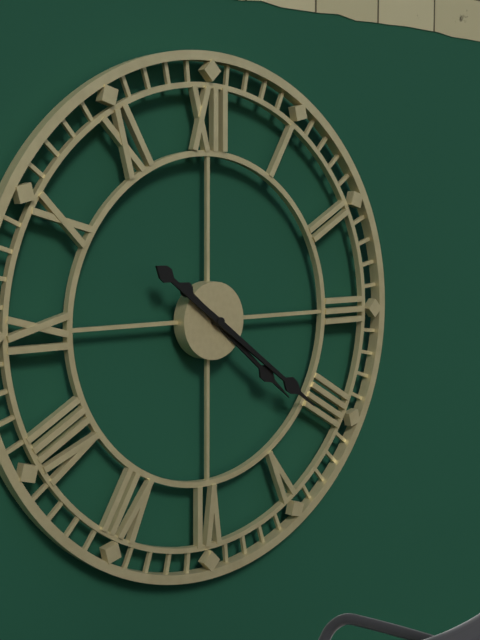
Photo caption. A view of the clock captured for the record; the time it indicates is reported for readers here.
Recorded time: 4:21
